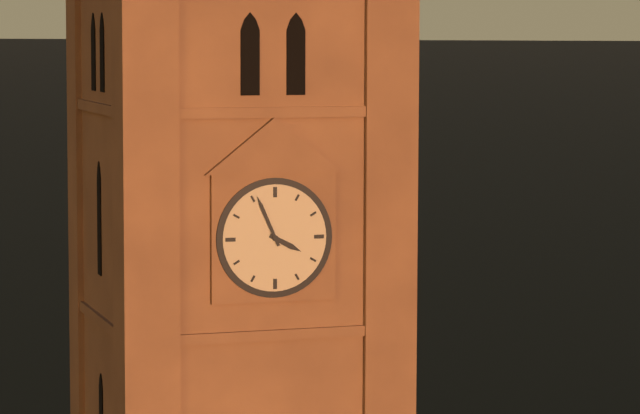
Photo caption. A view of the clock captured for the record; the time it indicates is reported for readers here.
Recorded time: 3:56
